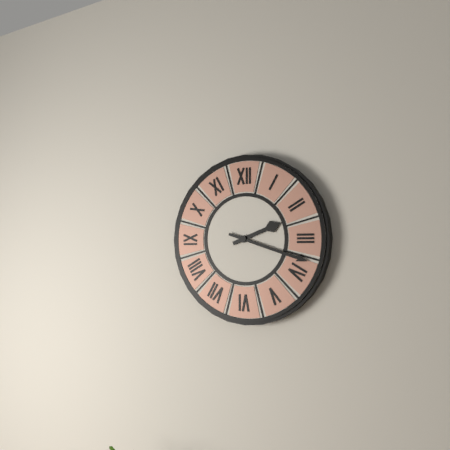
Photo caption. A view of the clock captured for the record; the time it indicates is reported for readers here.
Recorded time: 2:18
